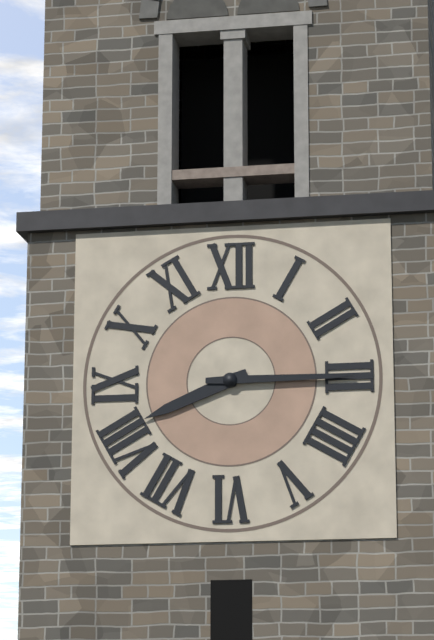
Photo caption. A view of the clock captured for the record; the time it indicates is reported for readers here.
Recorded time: 8:15
